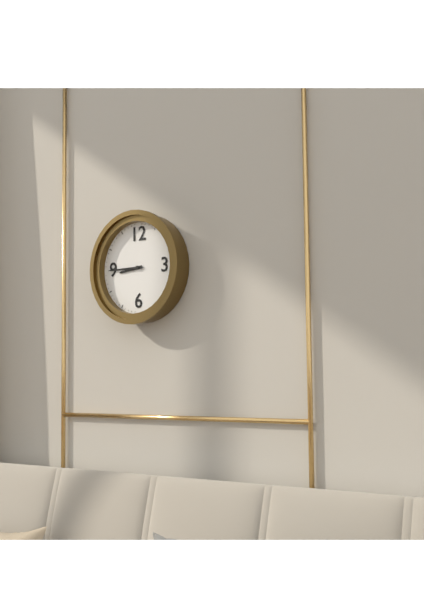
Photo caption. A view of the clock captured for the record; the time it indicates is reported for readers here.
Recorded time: 8:45
